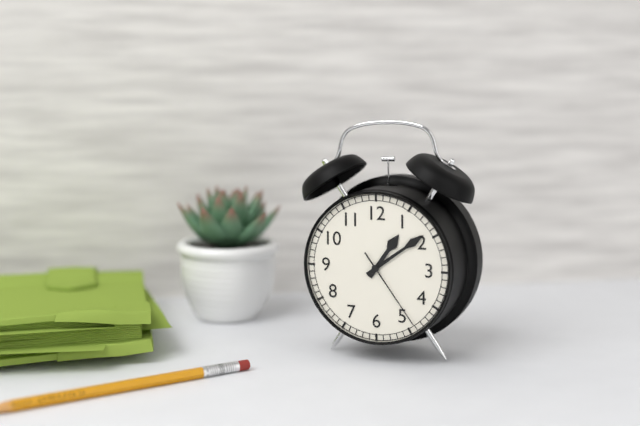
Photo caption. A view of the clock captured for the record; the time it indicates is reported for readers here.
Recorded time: 1:09:24
